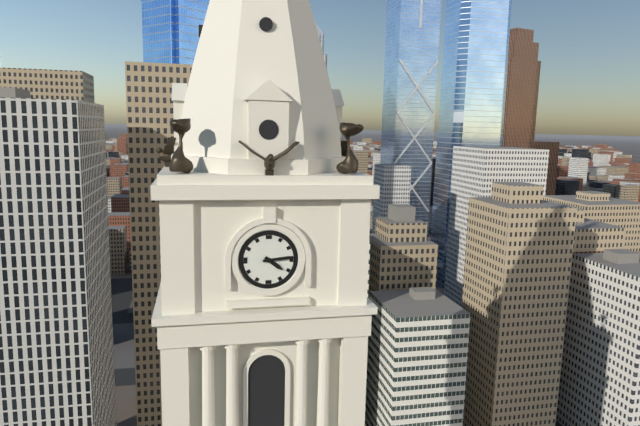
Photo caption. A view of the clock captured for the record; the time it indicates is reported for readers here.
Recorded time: 4:14
